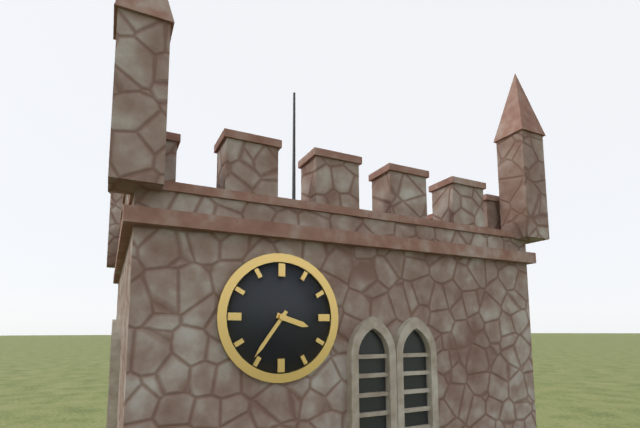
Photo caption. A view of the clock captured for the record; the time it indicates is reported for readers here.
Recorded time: 3:36
